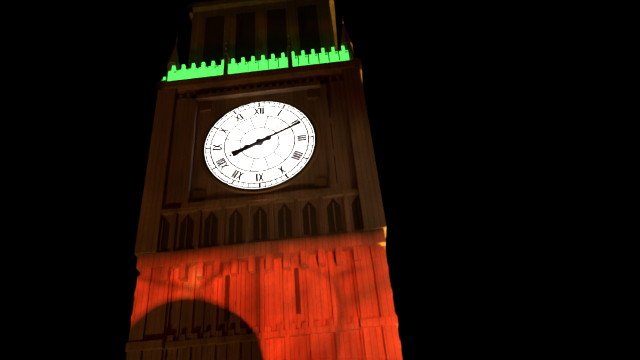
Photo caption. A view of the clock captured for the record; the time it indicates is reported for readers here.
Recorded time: 8:11
